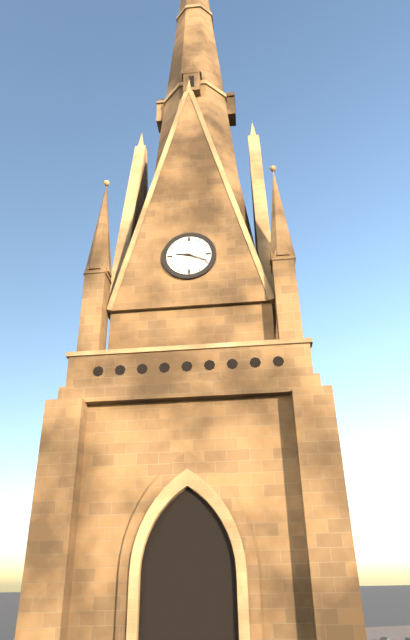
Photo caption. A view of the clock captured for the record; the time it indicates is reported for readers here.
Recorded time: 9:19
